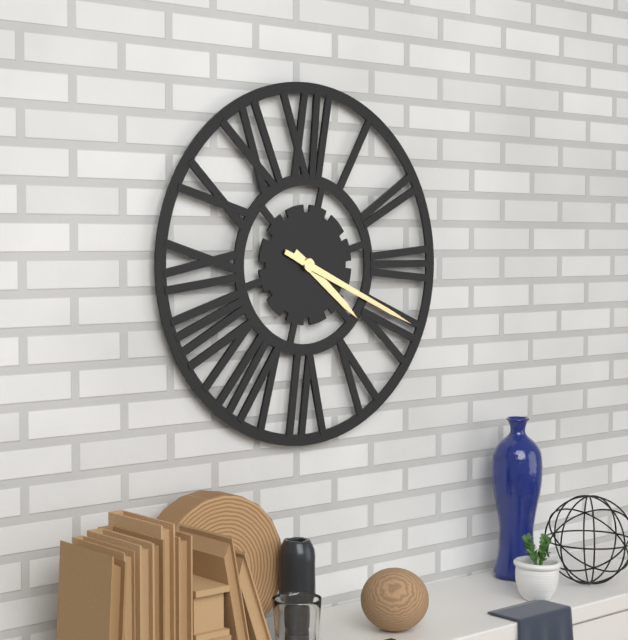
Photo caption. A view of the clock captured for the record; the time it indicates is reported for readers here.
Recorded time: 4:19
